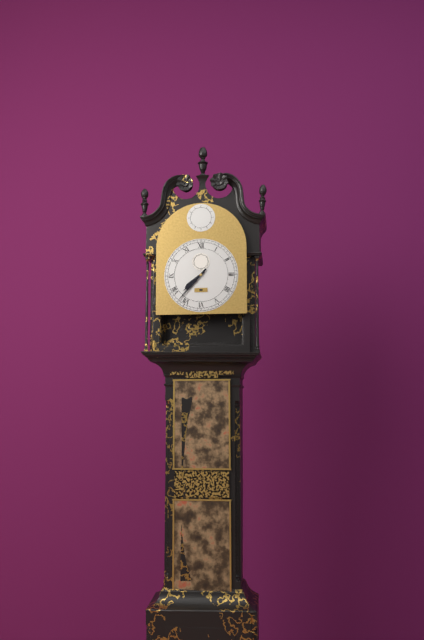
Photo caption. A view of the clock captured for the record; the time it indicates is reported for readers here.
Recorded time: 7:37
